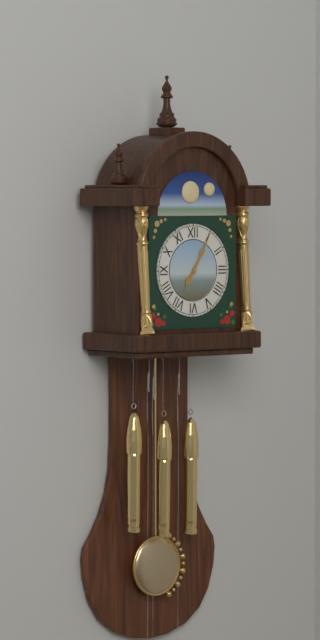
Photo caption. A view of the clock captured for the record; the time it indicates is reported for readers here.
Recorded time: 7:05
